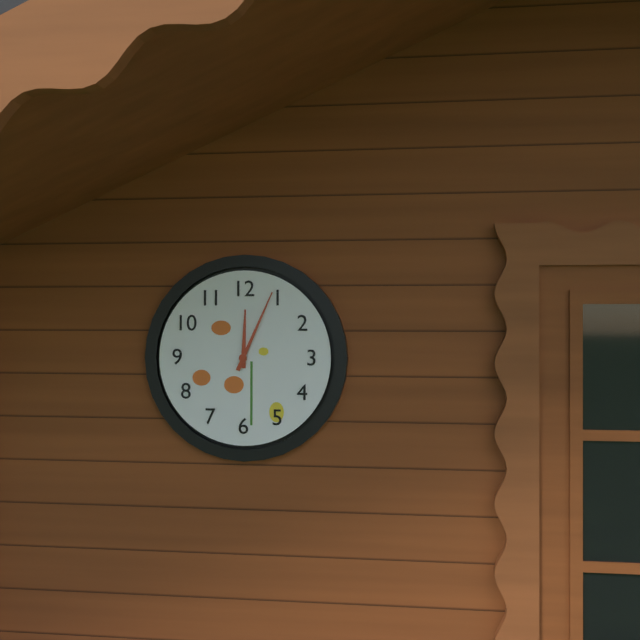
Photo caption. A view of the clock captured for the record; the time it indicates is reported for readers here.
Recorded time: 12:04
